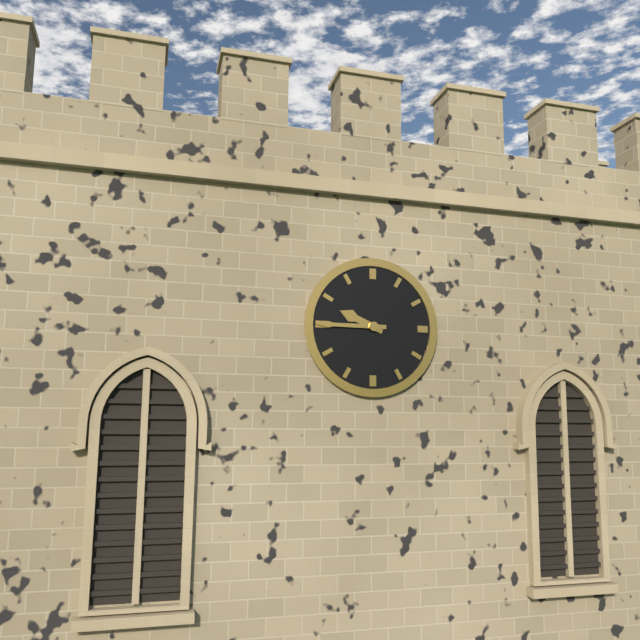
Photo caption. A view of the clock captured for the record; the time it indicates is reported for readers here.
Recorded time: 9:45
